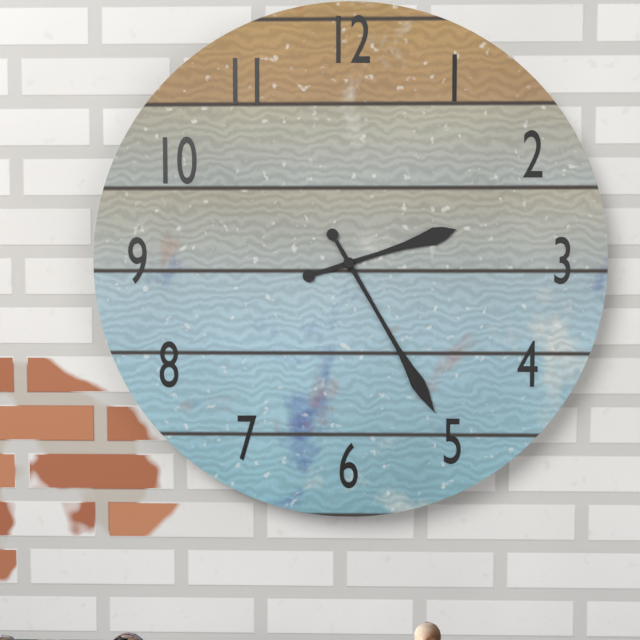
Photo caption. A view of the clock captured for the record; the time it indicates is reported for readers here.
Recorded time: 2:25
